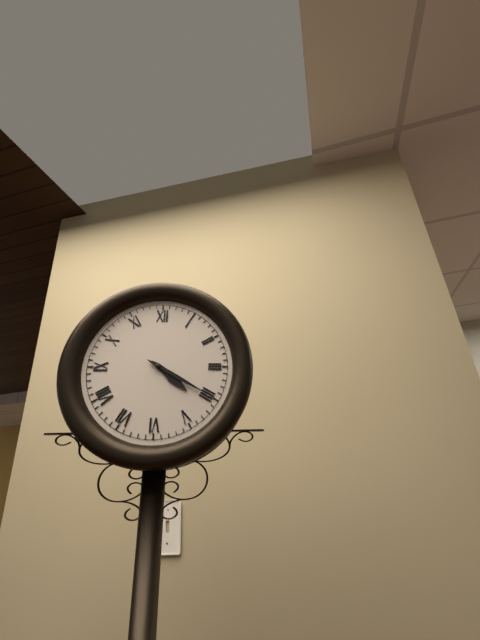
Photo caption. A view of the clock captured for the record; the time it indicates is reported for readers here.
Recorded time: 4:20
